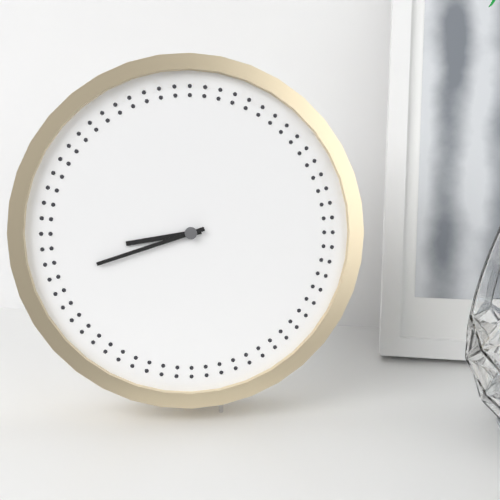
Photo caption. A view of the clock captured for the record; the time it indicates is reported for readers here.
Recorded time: 8:42
